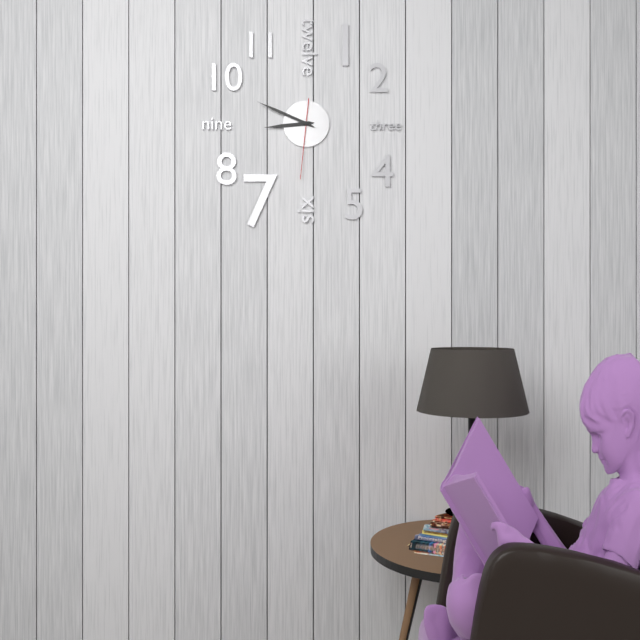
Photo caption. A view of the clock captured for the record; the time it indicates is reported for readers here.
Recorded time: 8:49:31
